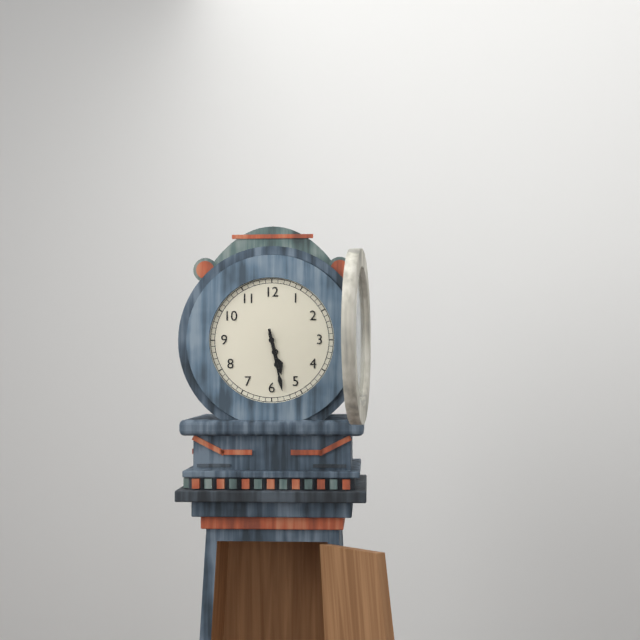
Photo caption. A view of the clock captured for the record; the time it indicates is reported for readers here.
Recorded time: 5:28
